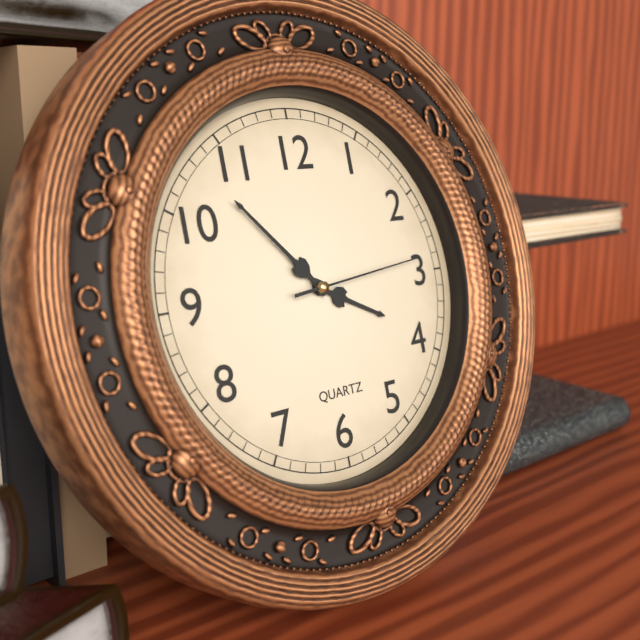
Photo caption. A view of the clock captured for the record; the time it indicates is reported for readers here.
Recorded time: 3:53:14
